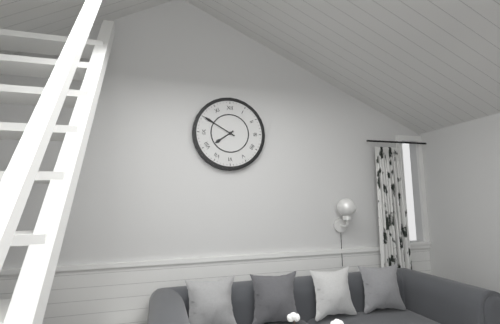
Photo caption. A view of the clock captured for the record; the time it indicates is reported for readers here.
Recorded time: 7:50
